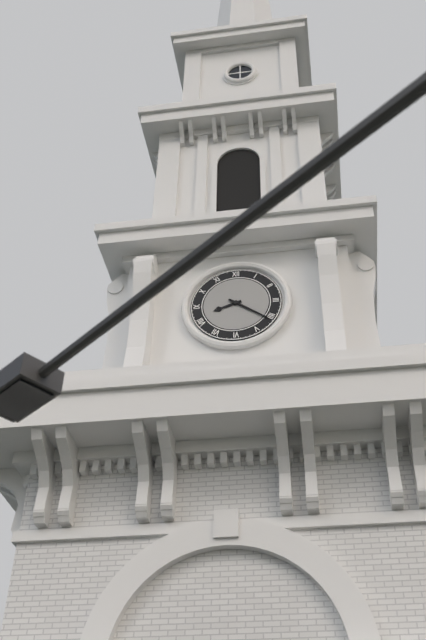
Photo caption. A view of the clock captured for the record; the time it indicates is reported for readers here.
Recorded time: 8:21
